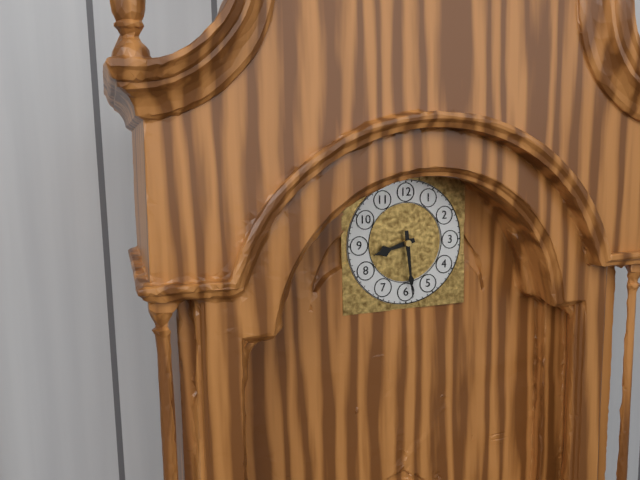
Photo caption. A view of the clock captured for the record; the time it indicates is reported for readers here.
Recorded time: 8:29
